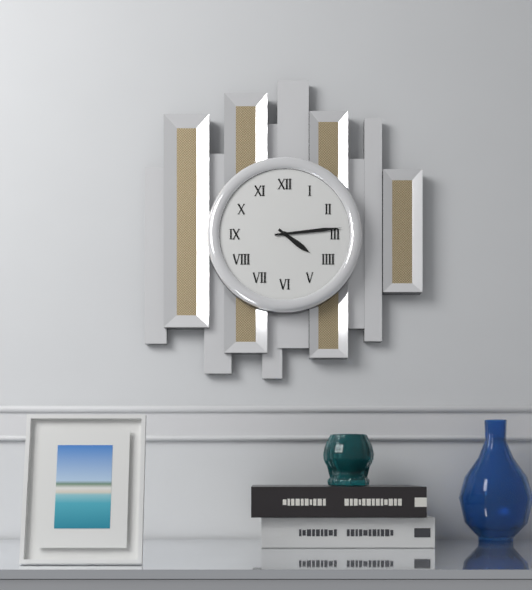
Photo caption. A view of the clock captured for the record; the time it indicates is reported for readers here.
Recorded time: 4:14
